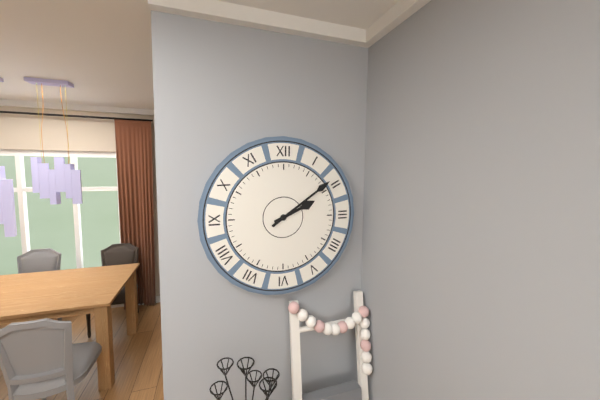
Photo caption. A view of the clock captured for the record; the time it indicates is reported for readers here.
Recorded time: 2:09
